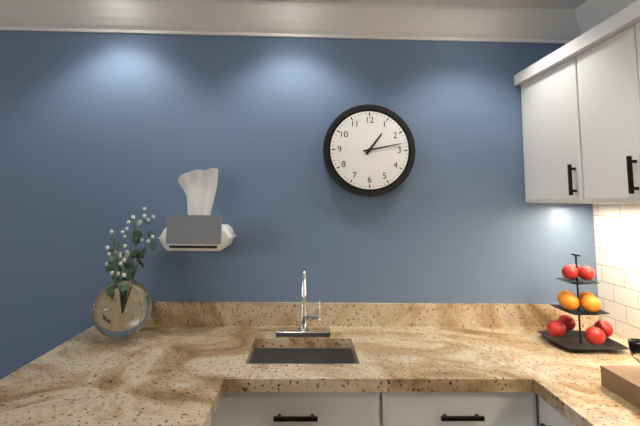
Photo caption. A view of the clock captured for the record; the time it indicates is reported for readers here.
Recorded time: 1:13
